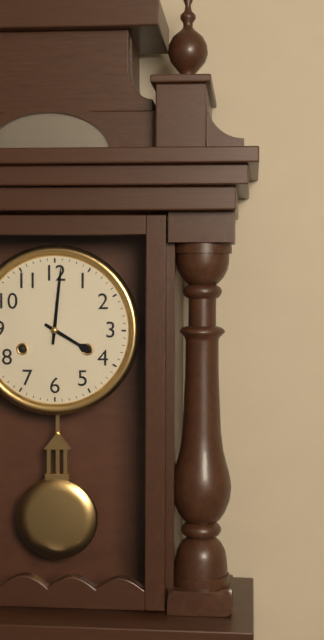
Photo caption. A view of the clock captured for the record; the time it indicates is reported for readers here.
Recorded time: 4:01
